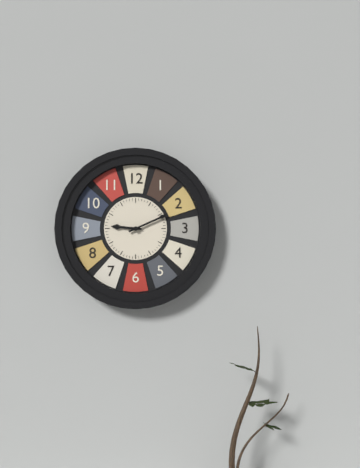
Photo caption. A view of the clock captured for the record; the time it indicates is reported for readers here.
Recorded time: 9:11
